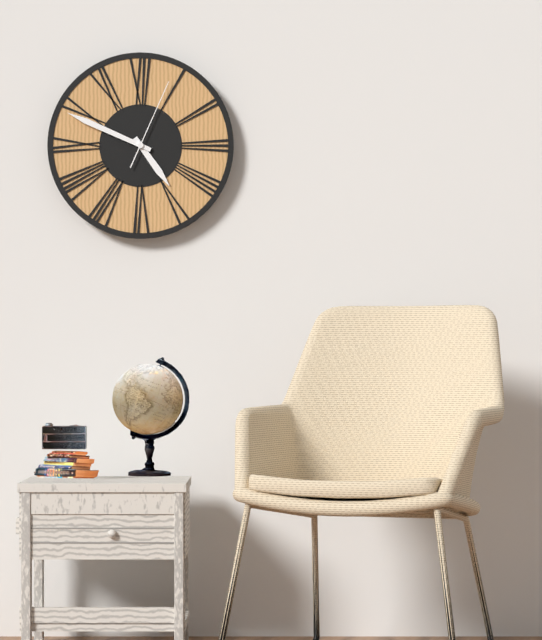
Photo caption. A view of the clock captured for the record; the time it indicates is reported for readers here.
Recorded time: 4:49:04
